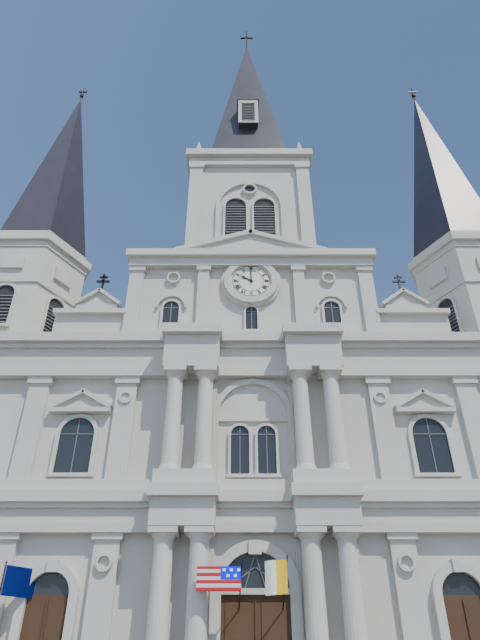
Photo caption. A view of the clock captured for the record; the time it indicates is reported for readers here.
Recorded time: 10:00
